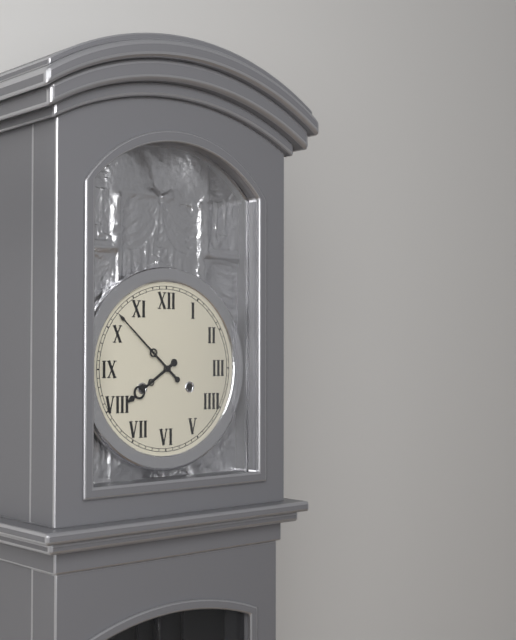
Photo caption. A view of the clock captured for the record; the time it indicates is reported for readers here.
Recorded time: 7:52
